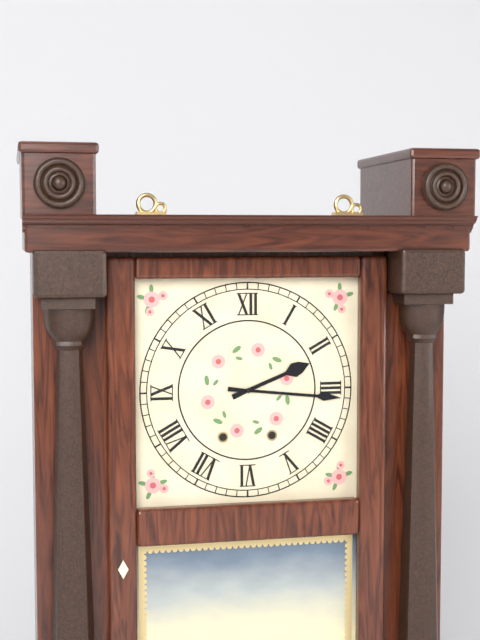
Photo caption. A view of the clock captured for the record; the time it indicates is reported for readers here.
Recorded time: 2:16
